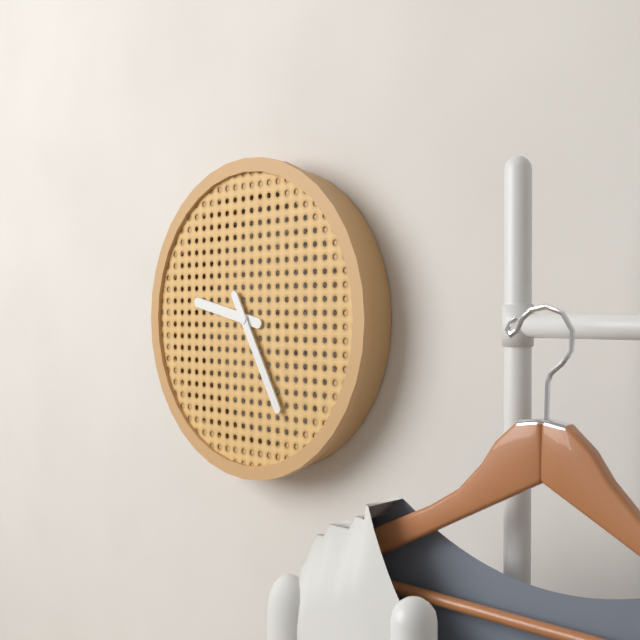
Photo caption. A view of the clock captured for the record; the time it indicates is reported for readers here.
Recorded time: 9:25
